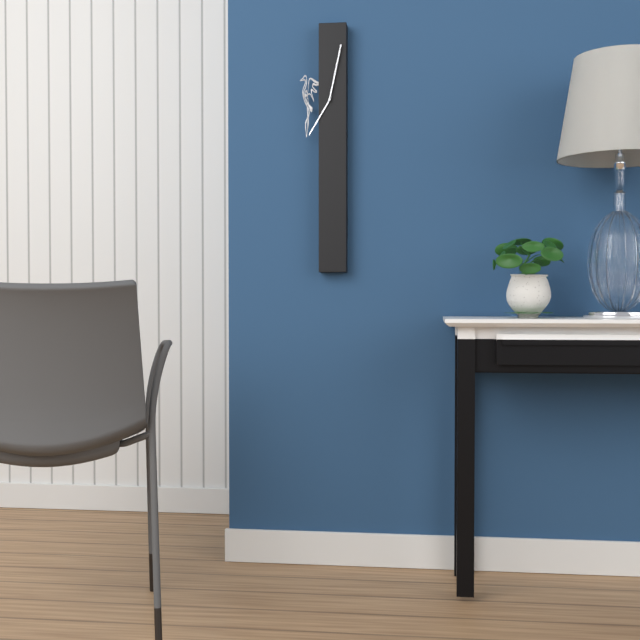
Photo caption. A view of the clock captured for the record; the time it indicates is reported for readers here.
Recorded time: 7:02
